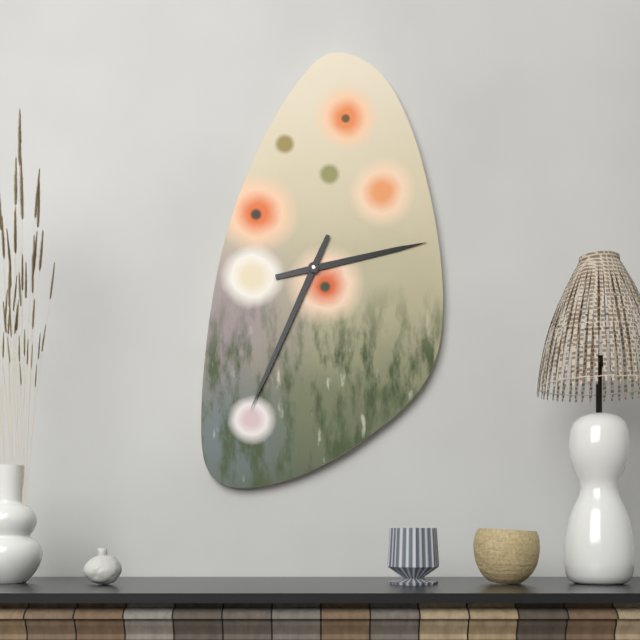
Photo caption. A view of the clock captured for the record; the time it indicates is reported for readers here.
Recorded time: 2:34
